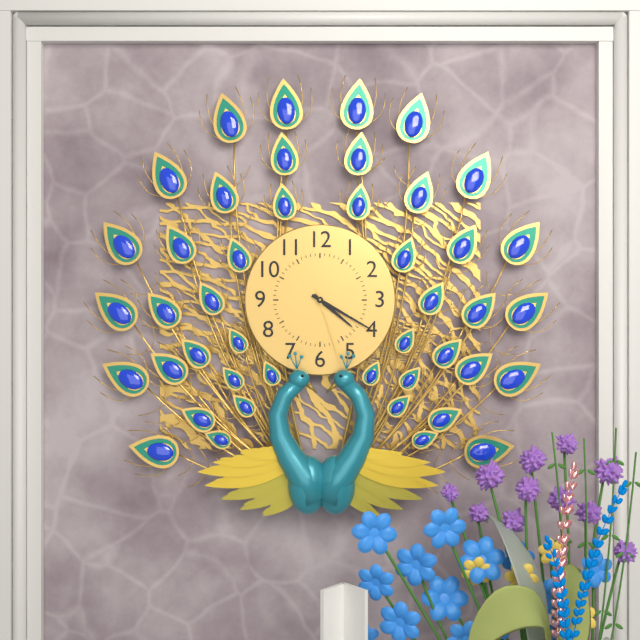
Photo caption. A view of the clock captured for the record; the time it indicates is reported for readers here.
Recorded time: 4:20:27
